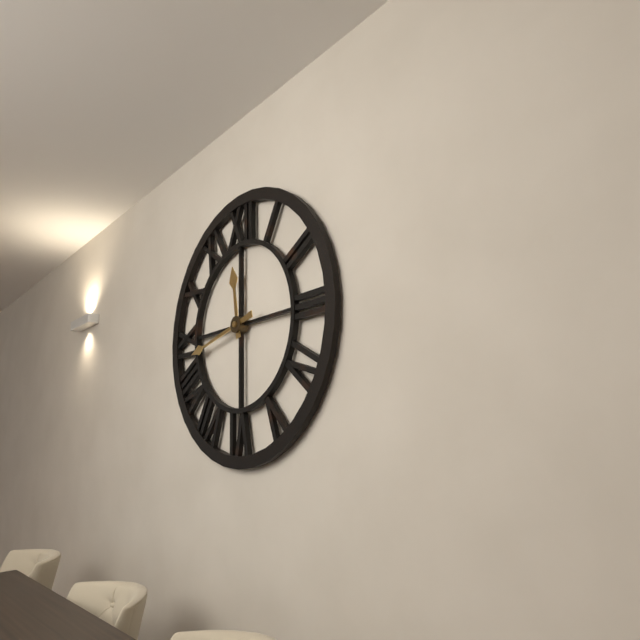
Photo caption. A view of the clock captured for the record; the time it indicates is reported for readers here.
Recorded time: 11:43
